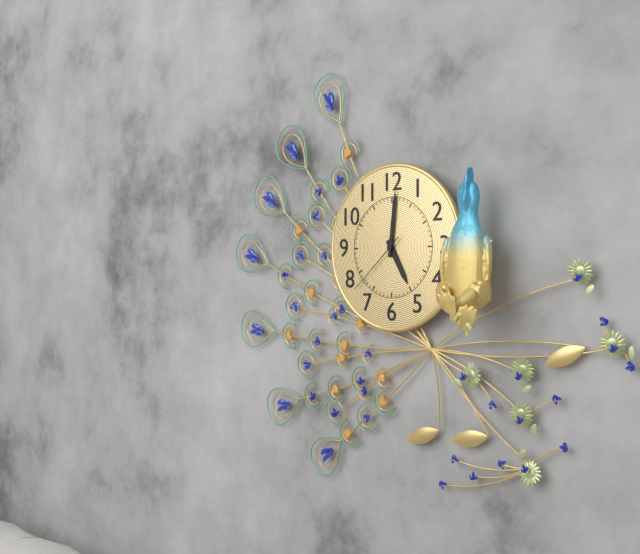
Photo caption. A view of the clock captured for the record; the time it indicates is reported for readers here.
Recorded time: 5:01:38
